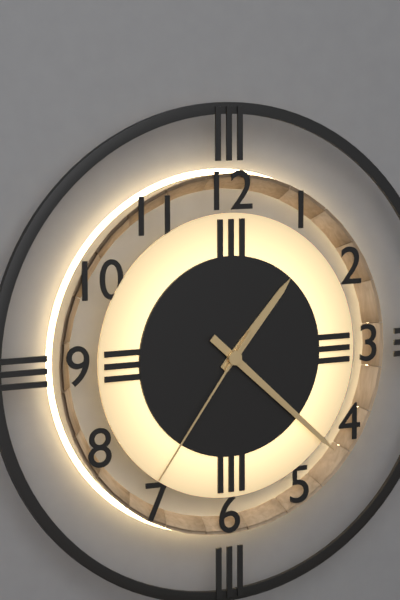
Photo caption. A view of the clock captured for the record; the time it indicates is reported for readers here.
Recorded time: 1:22:36
